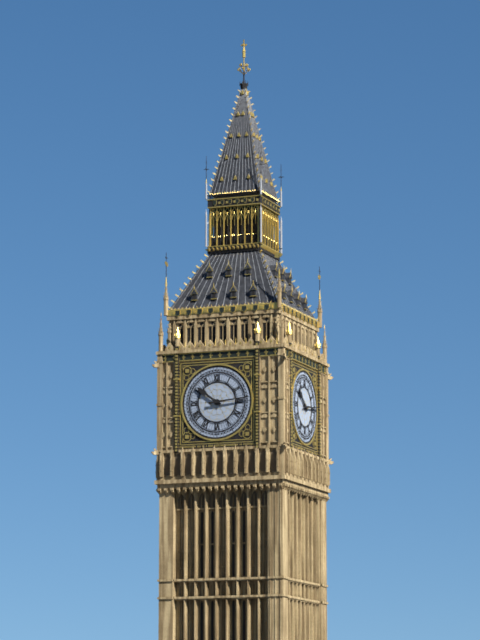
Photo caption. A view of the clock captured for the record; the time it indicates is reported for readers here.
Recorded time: 10:14
